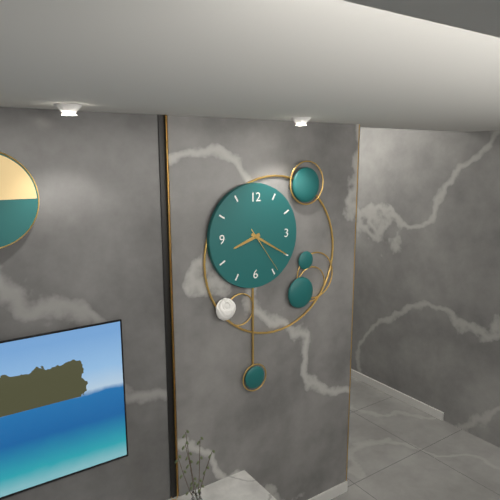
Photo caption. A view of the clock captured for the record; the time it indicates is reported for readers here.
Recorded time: 8:20
